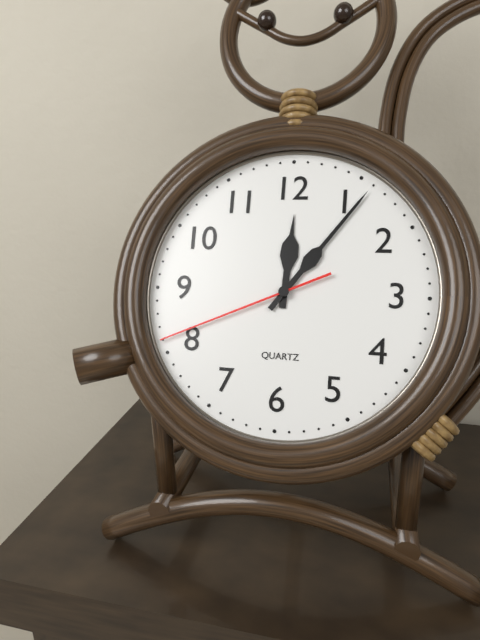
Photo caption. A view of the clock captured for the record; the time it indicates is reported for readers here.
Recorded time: 12:06:41
